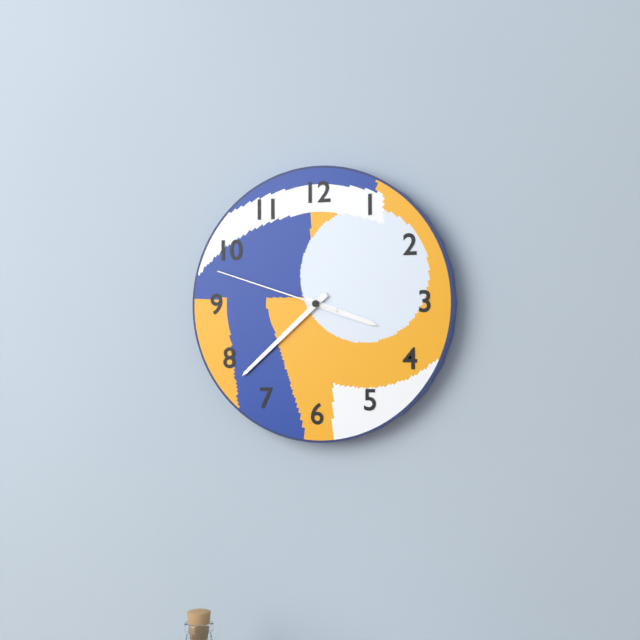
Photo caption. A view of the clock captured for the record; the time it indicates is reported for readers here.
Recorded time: 3:38:48
